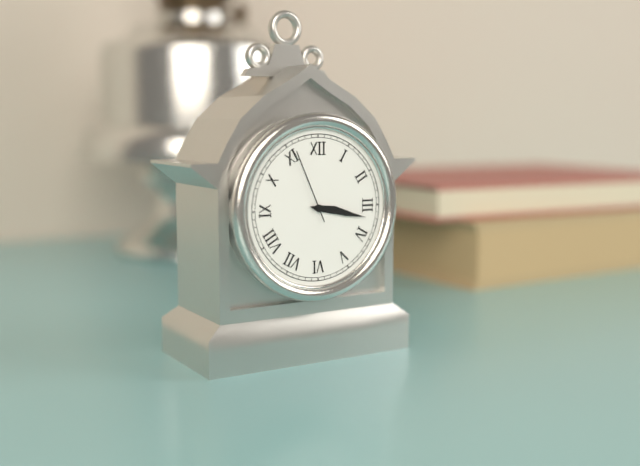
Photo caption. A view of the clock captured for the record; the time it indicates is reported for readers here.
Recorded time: 3:17:56
